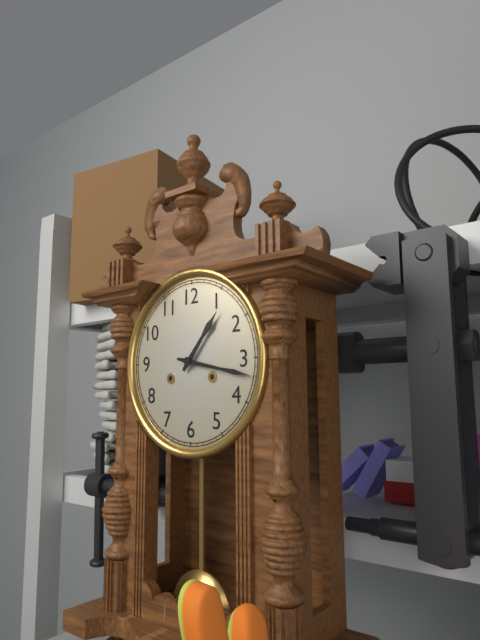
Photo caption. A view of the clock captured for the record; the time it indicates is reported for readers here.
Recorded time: 1:17
